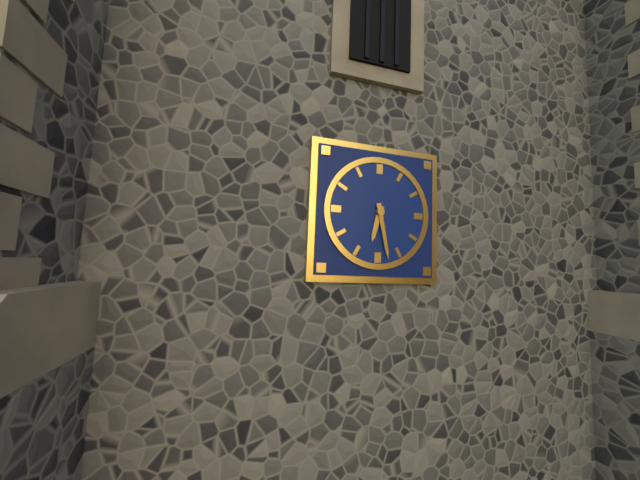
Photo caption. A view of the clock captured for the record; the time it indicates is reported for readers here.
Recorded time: 6:28
